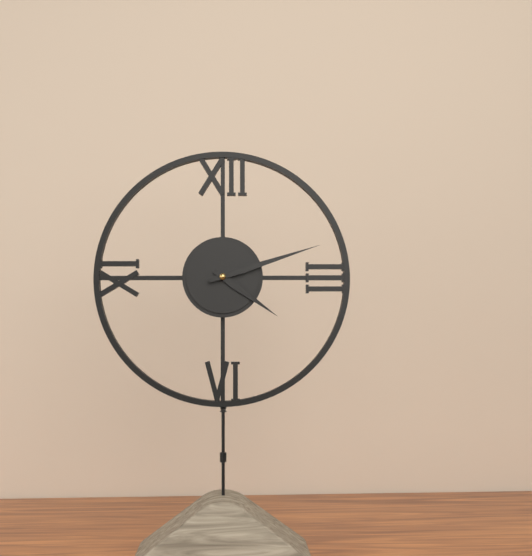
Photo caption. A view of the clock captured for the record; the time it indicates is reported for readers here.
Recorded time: 4:12
